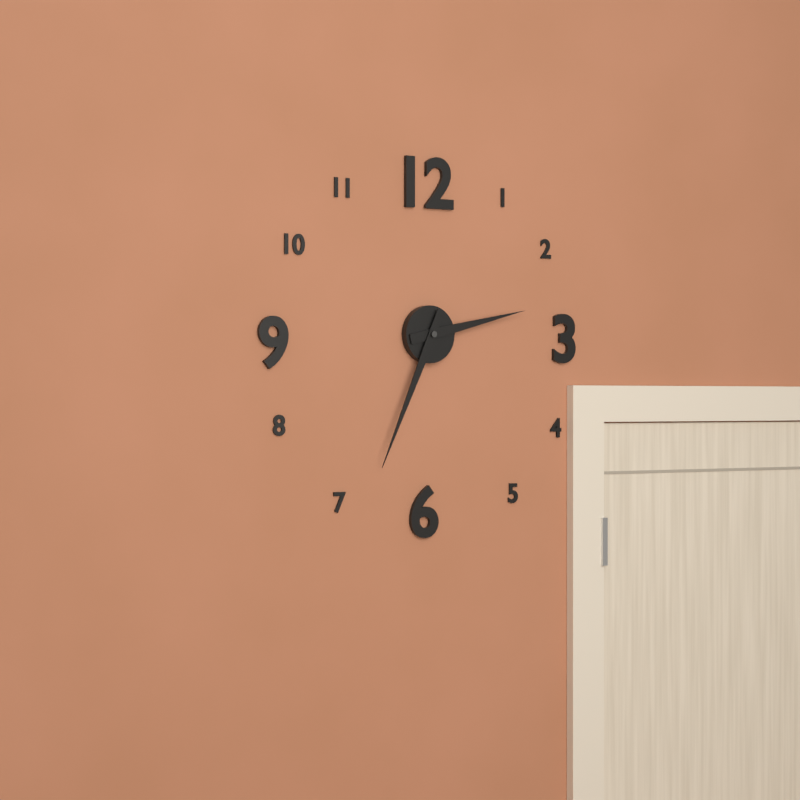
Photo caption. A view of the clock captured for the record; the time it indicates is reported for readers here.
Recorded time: 2:34
